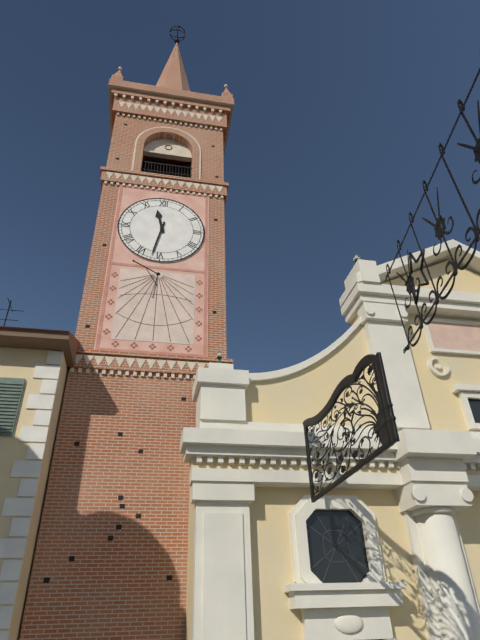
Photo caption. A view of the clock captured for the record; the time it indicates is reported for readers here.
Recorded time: 11:32
